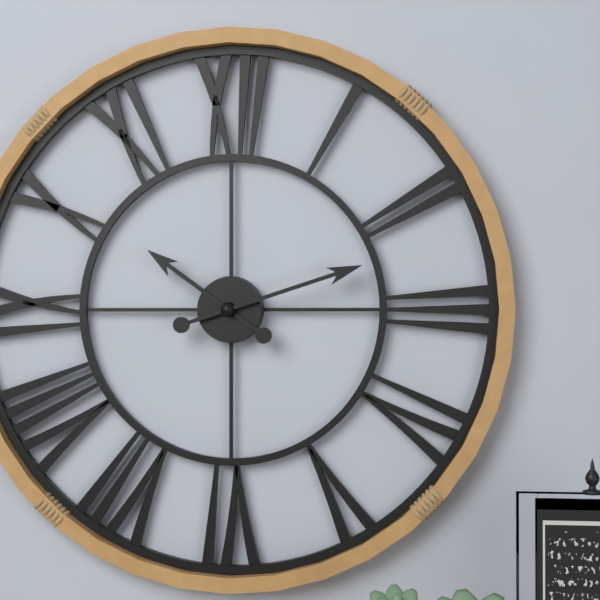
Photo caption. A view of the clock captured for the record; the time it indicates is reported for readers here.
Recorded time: 10:12
